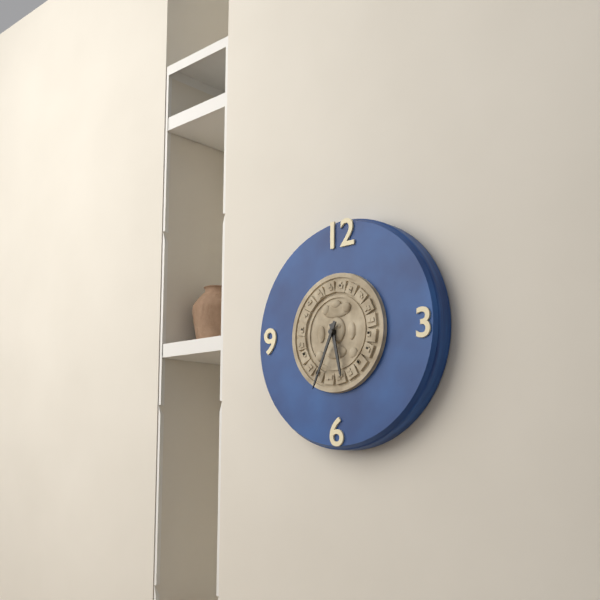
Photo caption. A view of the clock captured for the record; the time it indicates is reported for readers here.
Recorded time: 5:34
